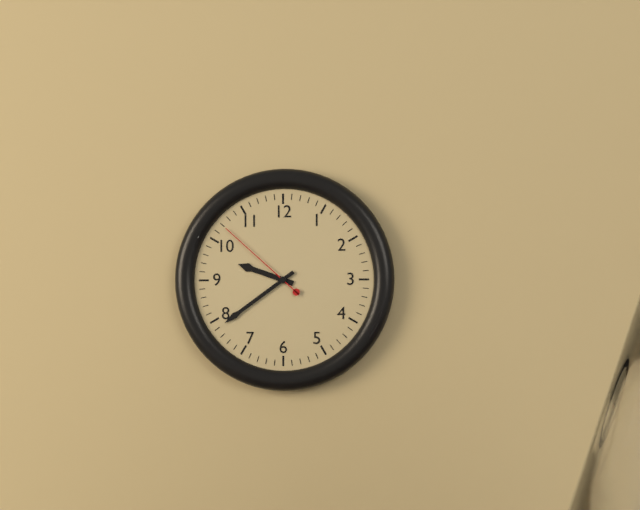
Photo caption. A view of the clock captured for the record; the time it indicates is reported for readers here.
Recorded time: 9:39:52
